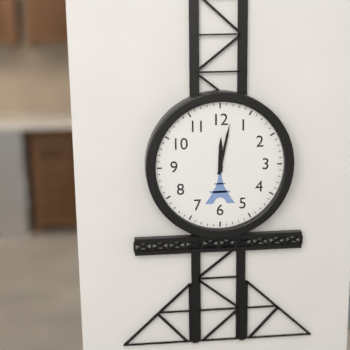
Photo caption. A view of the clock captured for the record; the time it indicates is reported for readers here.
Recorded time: 12:02
